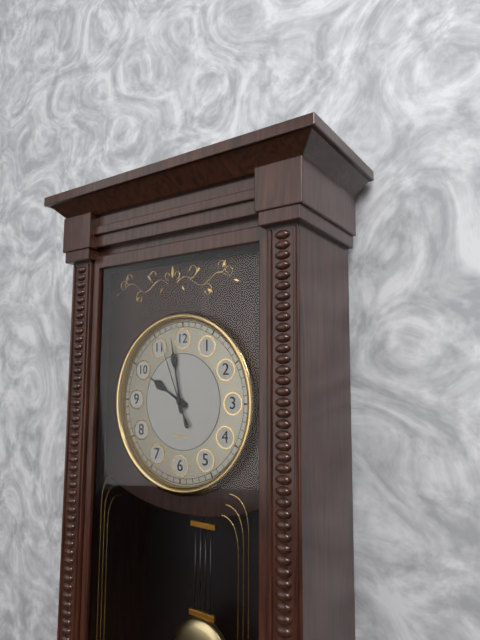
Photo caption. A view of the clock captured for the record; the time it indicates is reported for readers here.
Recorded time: 9:58:56
